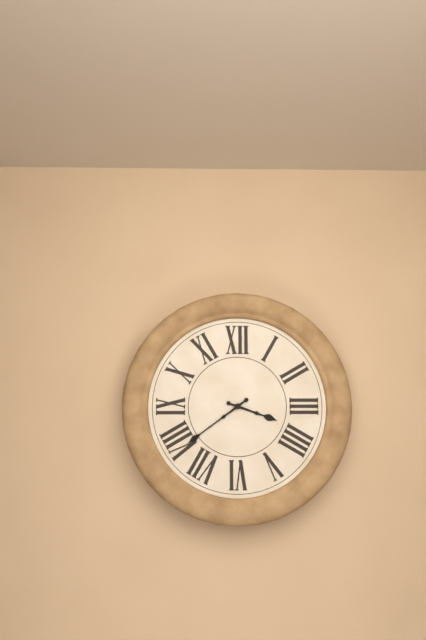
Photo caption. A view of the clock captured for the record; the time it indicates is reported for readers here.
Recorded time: 3:39
